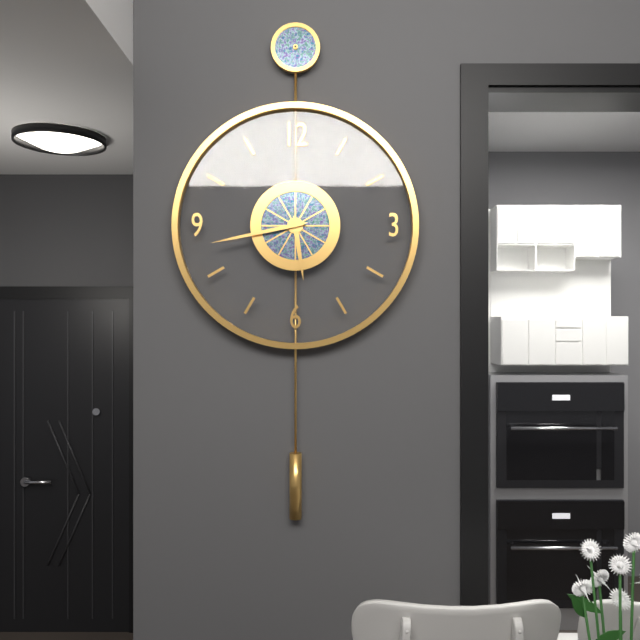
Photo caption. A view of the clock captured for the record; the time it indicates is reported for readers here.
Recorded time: 5:43
